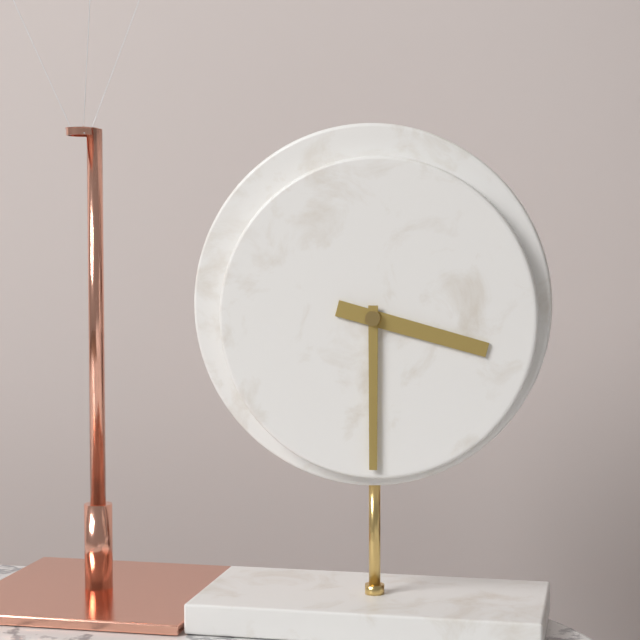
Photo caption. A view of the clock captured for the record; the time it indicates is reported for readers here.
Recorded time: 3:30
